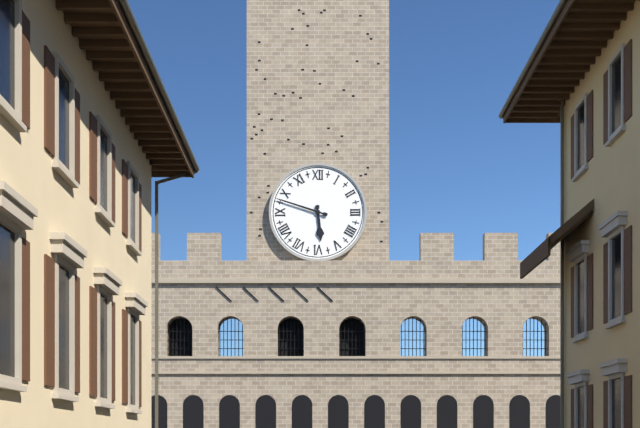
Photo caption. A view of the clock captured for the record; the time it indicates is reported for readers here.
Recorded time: 5:48
